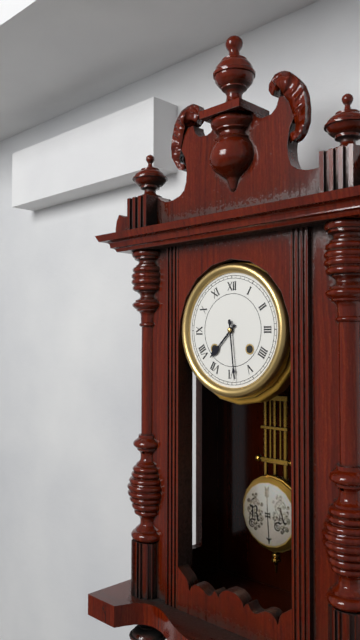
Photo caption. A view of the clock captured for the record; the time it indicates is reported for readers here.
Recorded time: 7:29
